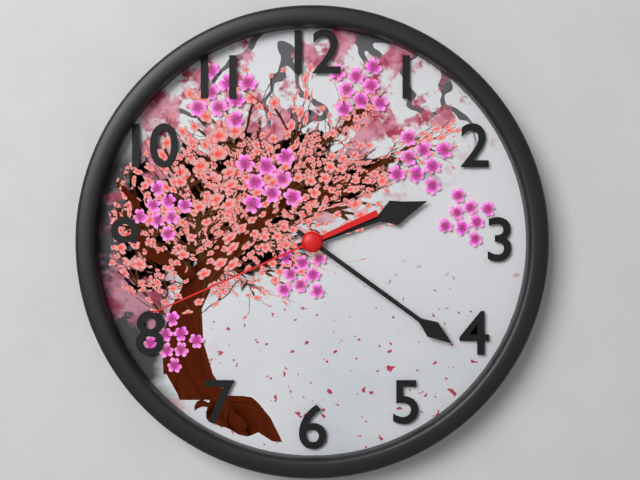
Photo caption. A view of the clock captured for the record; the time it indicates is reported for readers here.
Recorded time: 2:21:41
